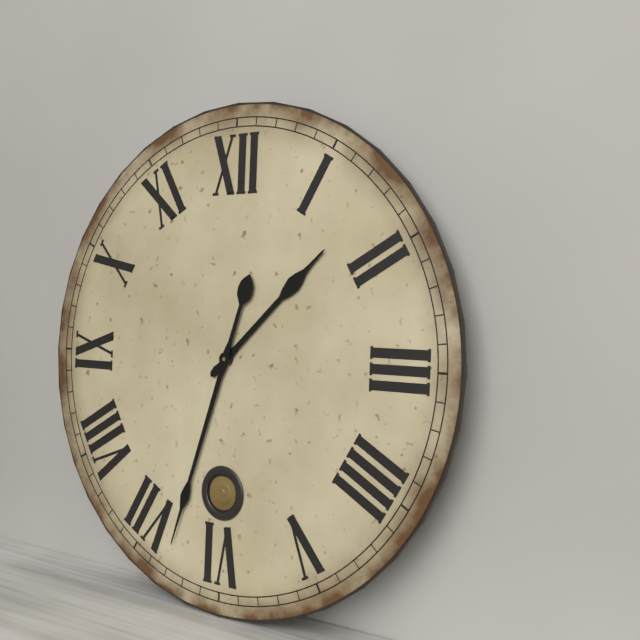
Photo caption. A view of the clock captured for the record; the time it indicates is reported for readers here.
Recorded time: 1:33
